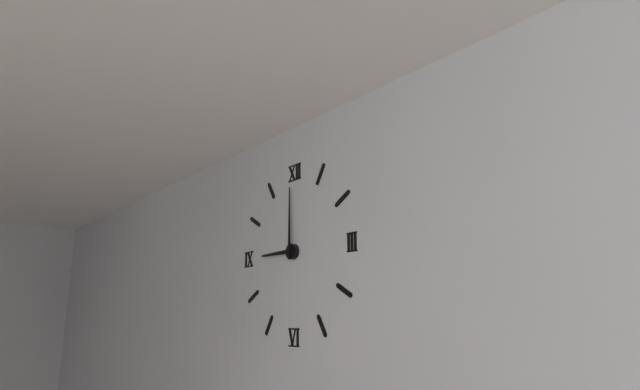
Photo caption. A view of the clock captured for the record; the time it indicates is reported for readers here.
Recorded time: 9:00
